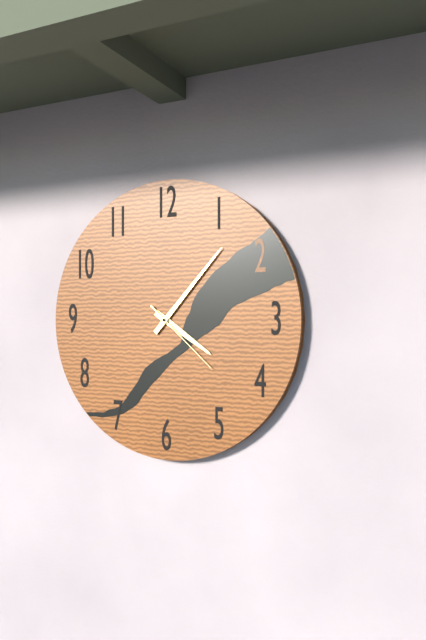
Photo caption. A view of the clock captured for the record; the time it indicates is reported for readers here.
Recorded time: 4:07:22
